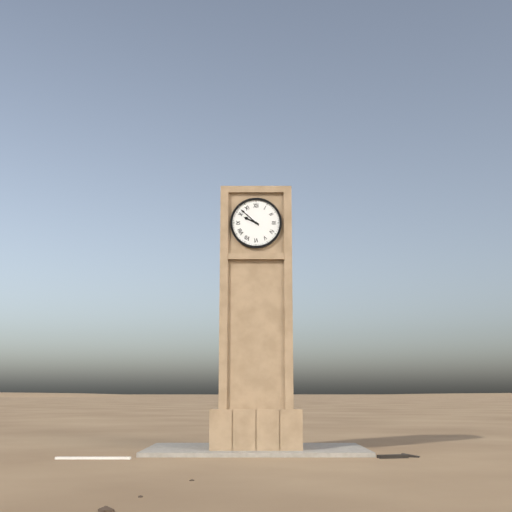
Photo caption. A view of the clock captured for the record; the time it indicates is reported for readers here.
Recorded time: 9:52
